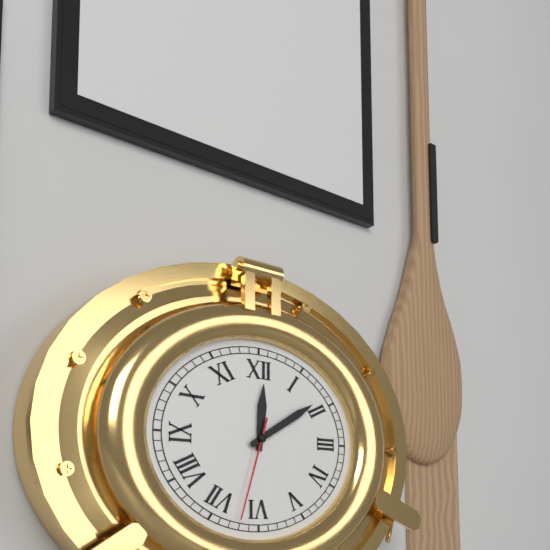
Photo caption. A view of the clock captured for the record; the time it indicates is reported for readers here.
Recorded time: 12:10:33
